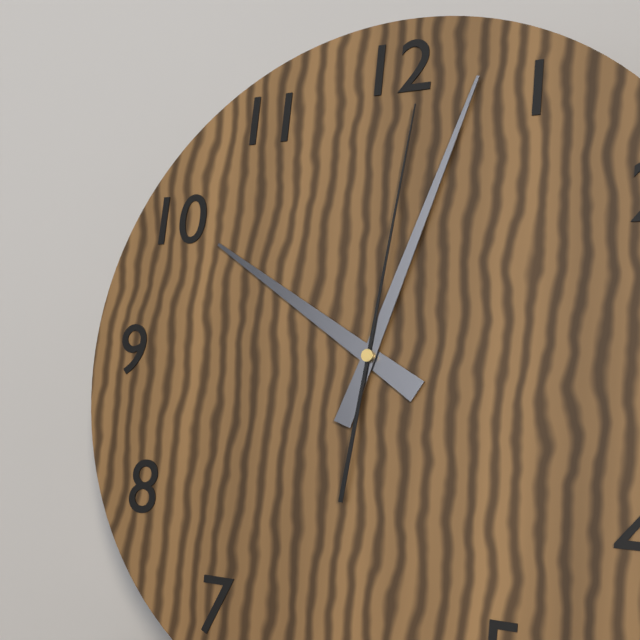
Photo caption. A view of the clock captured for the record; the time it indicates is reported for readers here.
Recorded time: 10:03:01
